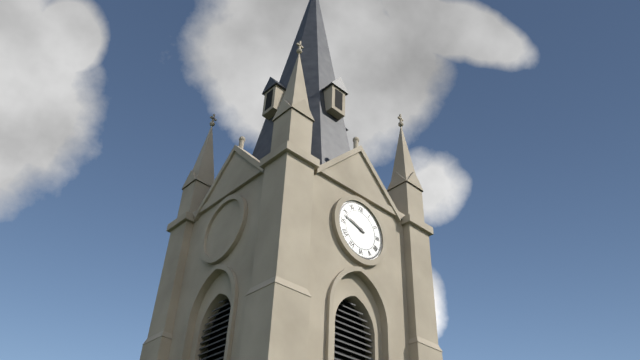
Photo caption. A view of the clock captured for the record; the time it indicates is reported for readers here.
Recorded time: 9:48
